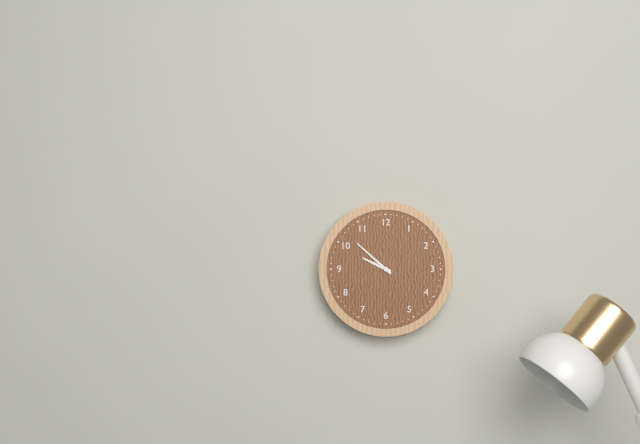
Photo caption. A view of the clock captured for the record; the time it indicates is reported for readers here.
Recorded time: 9:52
